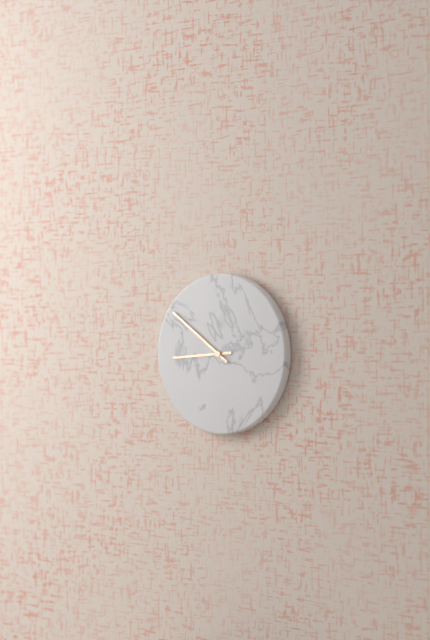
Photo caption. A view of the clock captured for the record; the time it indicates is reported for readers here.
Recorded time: 8:51
